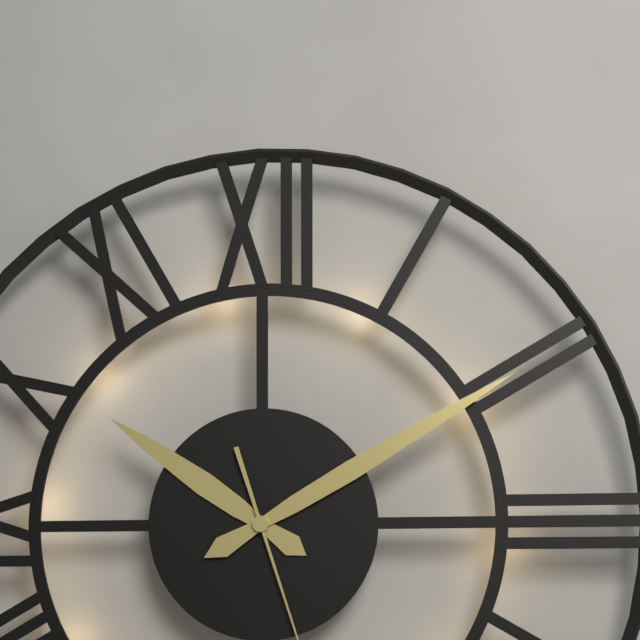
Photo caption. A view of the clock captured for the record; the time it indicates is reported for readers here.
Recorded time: 10:10
